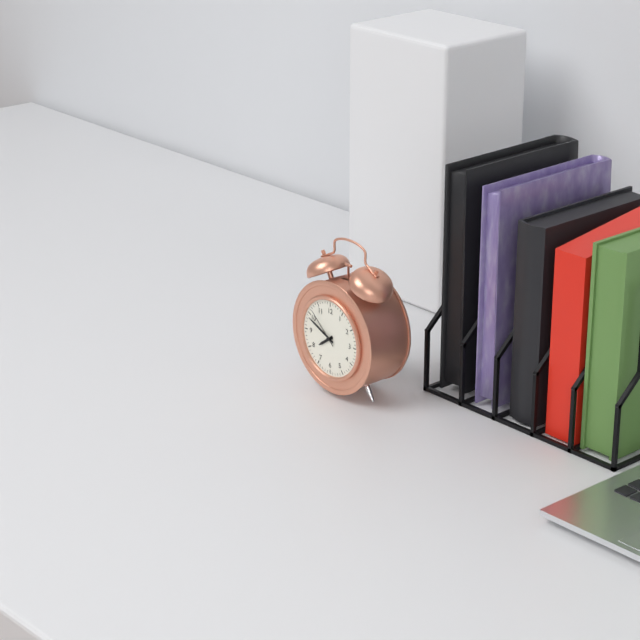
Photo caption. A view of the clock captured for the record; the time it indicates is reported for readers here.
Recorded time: 7:49
